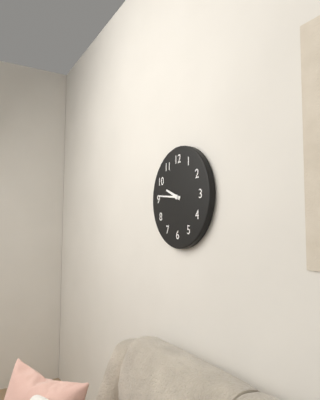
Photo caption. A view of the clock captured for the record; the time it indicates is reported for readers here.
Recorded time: 9:46
